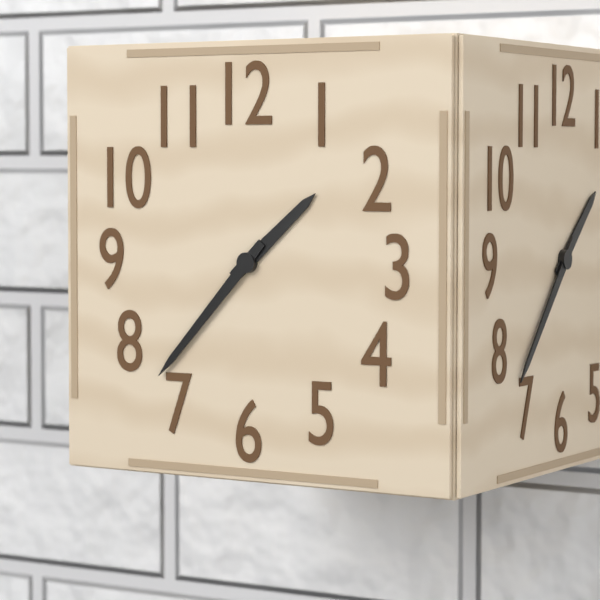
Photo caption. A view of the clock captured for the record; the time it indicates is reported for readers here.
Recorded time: 1:37
